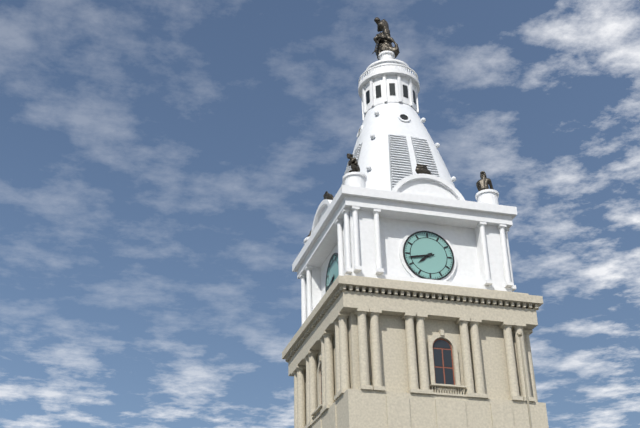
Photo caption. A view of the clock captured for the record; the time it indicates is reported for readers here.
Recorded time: 7:43
